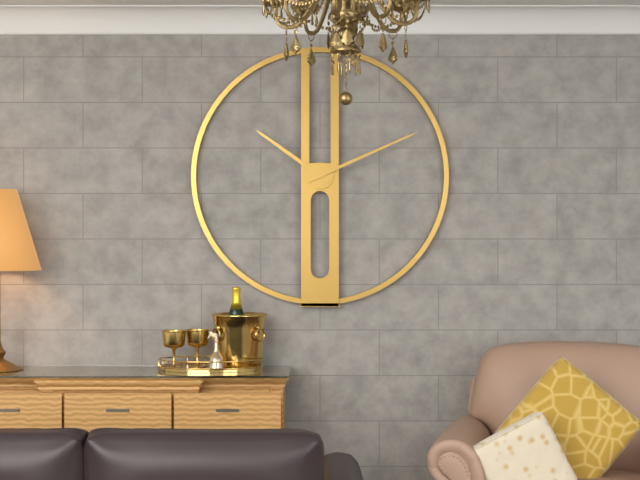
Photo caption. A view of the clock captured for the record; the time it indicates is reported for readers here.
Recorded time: 10:11
